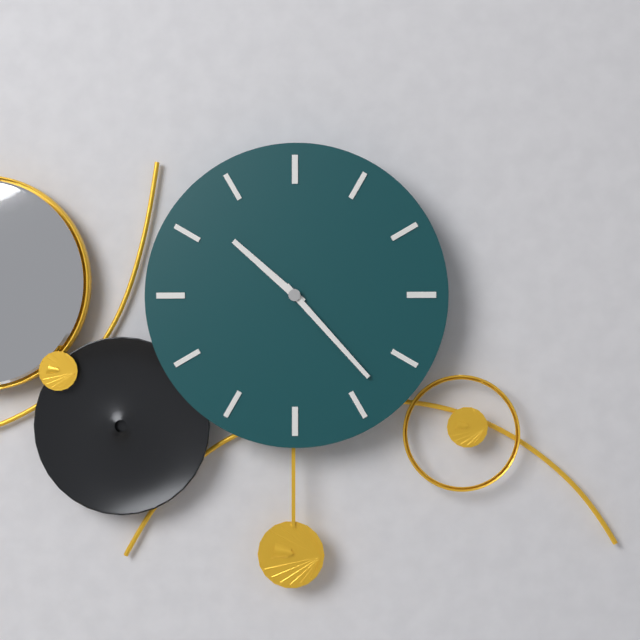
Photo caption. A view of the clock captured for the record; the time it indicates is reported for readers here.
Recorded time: 10:23
